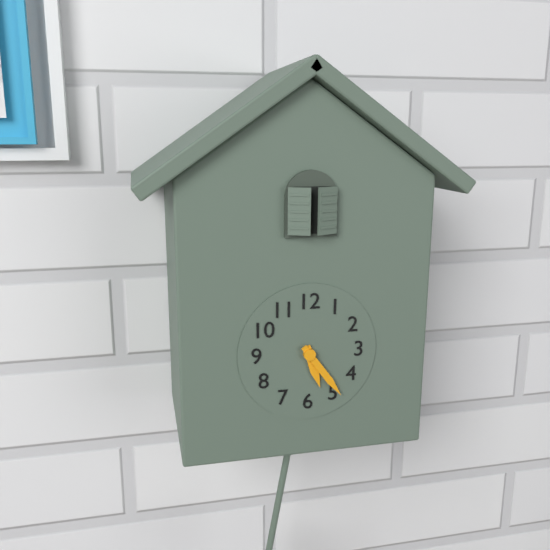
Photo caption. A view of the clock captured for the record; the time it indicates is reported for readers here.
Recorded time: 5:24
